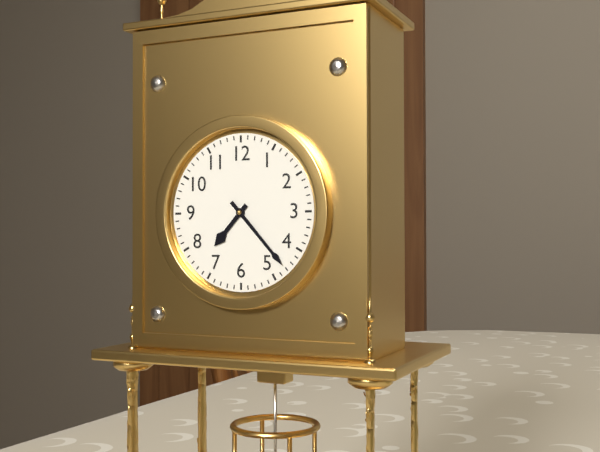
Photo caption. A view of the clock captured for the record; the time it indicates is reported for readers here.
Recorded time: 7:23
